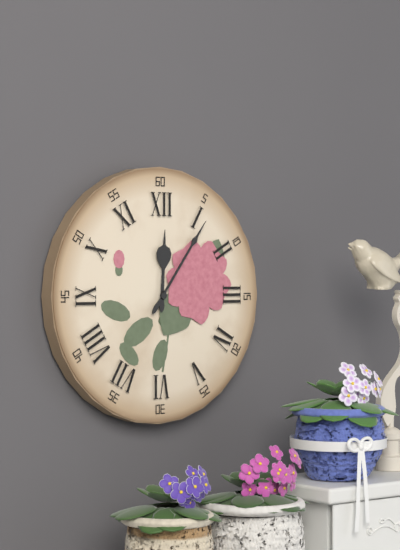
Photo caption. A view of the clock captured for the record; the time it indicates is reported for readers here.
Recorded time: 12:06
